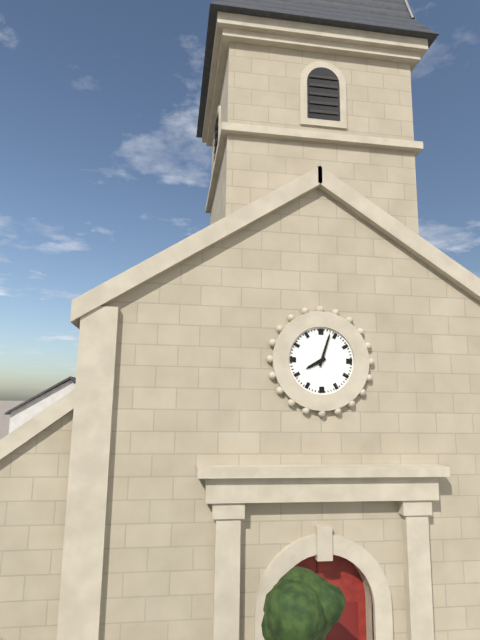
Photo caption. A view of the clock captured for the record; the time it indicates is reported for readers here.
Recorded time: 8:03
